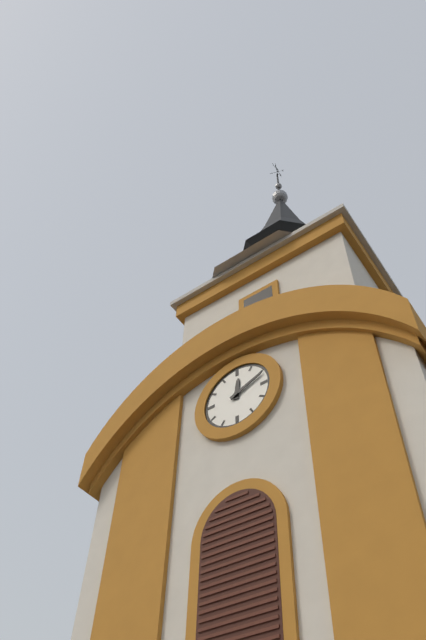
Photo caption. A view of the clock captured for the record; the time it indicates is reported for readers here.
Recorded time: 12:11
